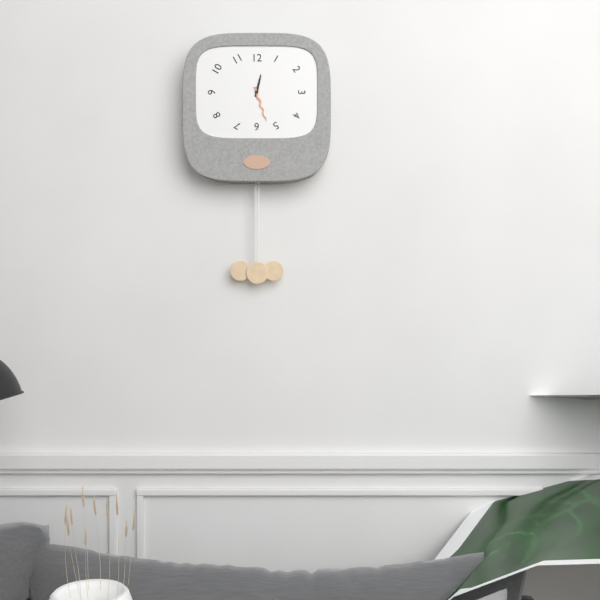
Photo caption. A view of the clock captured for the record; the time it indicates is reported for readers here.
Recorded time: 12:27
